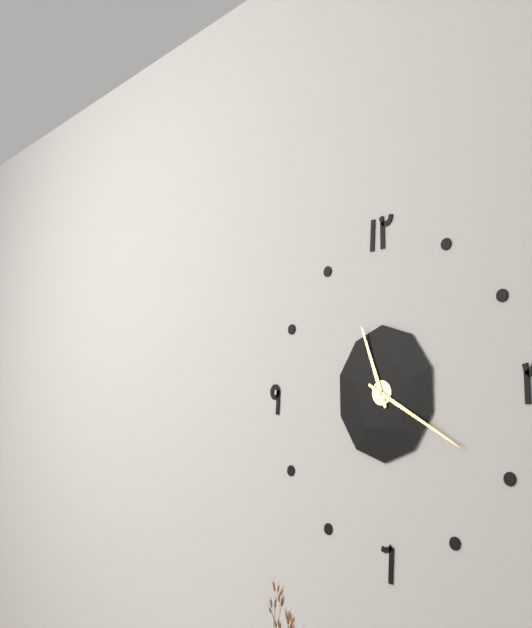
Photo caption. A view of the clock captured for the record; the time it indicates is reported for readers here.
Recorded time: 11:20
